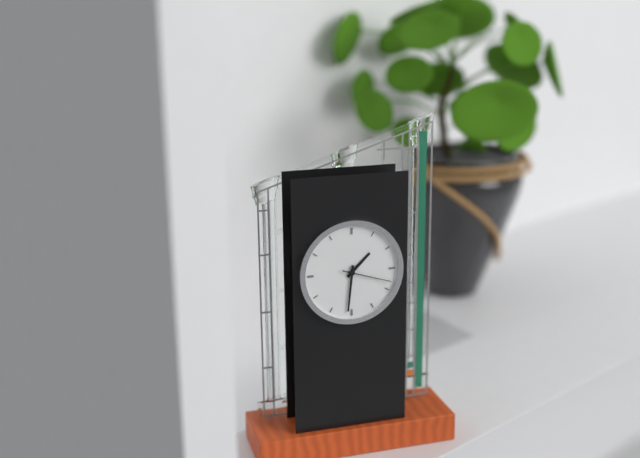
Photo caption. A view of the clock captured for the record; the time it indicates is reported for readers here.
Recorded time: 1:31
